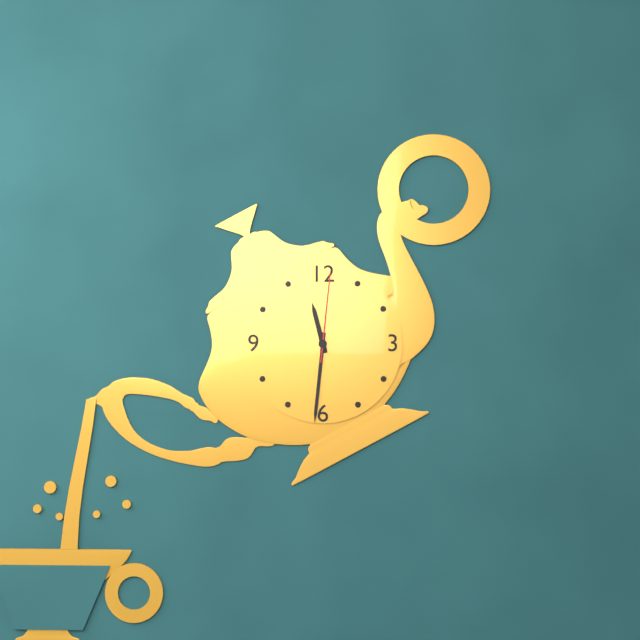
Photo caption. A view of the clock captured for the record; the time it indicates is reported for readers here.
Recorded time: 11:31:01
